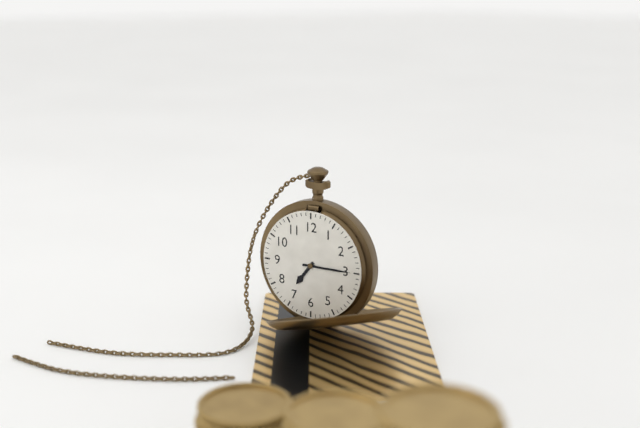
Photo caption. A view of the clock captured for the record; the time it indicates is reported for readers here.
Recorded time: 7:15
